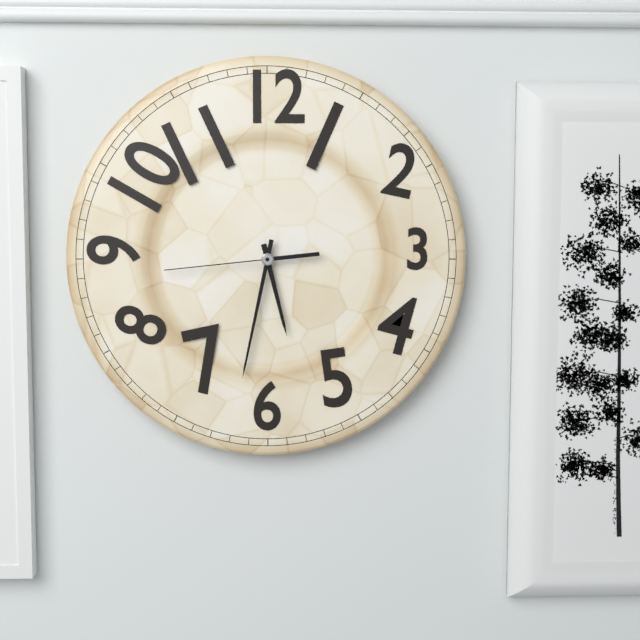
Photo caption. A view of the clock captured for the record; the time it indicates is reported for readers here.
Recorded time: 5:32:44
